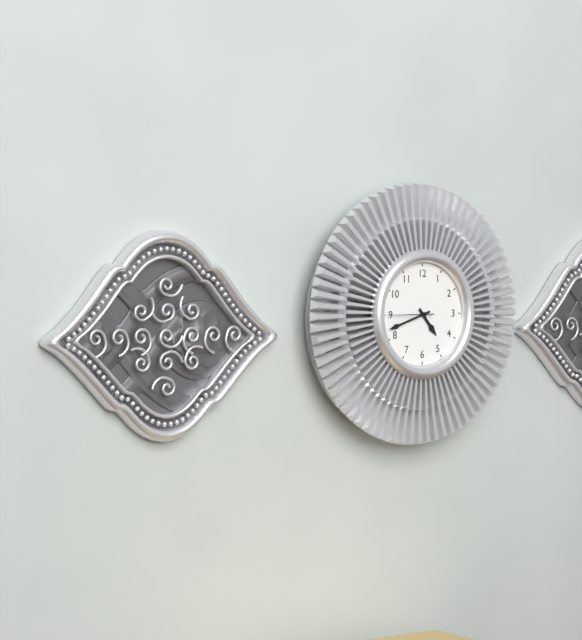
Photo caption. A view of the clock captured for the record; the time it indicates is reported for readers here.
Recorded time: 4:42
